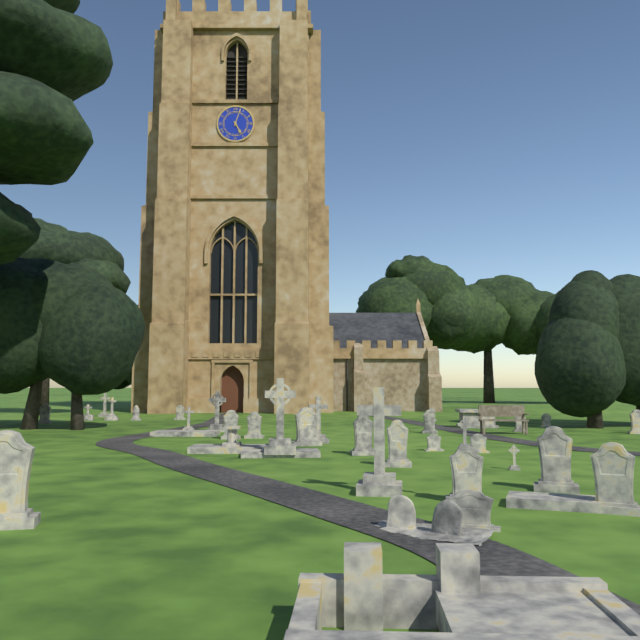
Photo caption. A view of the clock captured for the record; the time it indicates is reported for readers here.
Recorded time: 5:03
